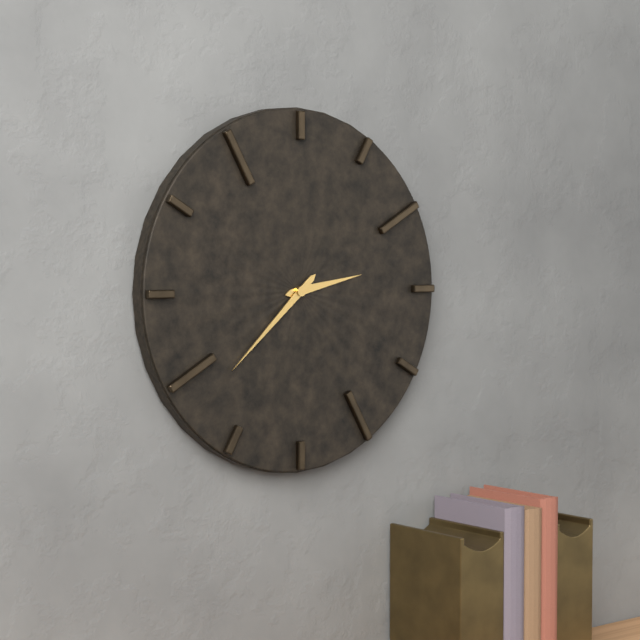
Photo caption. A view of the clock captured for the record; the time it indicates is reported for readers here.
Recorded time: 2:38
